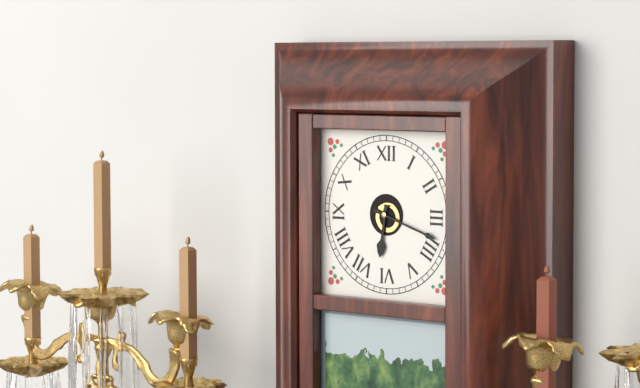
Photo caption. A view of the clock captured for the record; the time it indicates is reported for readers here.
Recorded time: 6:18
